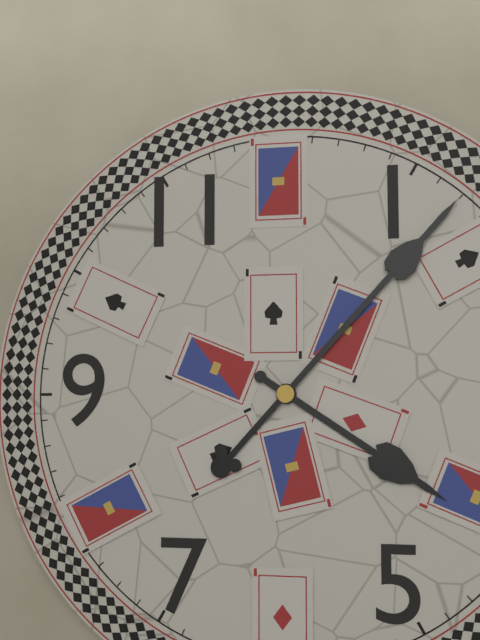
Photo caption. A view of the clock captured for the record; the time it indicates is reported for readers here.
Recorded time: 4:07
